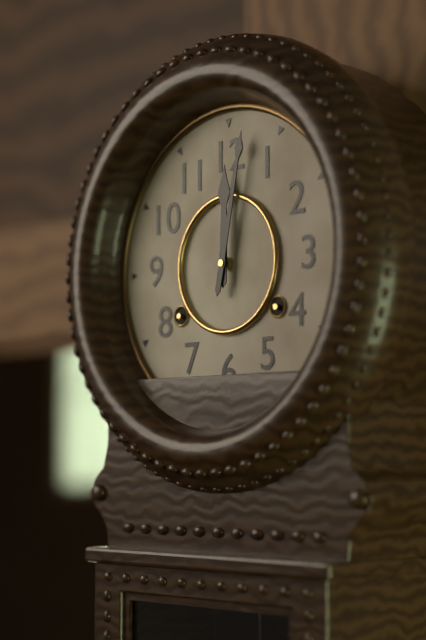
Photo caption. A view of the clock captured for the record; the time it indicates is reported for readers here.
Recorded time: 12:02
